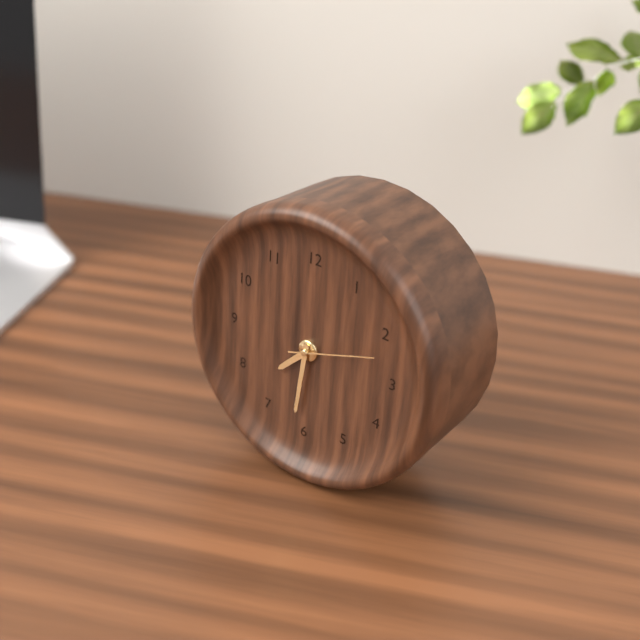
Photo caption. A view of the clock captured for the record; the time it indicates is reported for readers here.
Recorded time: 7:31:12
